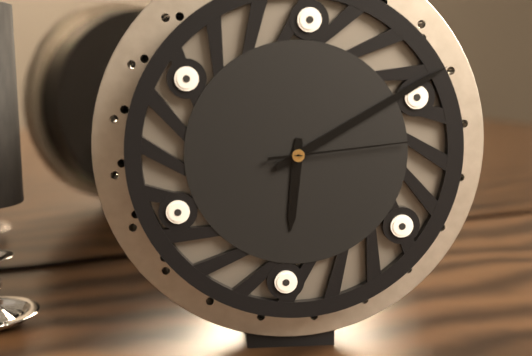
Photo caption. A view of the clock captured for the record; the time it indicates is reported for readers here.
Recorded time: 6:10:14
